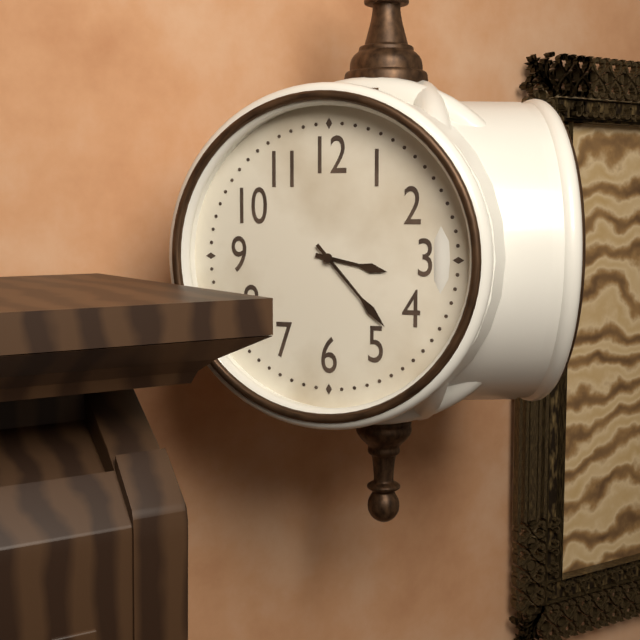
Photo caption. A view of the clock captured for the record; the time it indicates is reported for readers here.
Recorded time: 3:23
